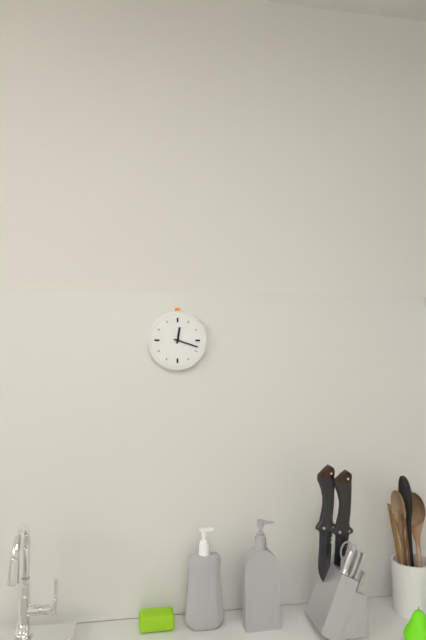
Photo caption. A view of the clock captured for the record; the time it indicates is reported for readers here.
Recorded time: 12:18
